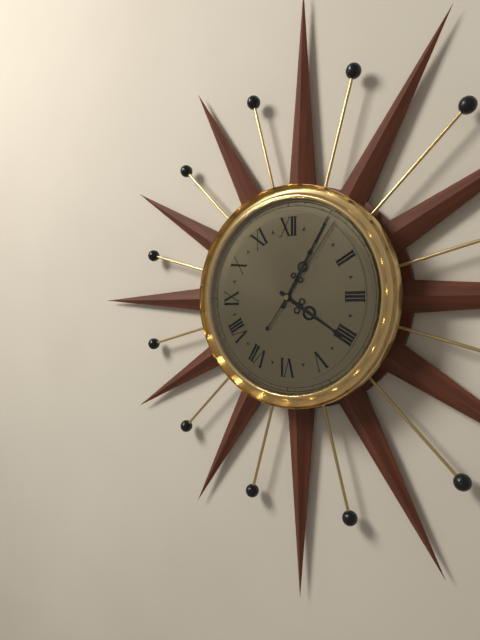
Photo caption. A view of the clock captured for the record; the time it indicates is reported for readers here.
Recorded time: 4:05:06
